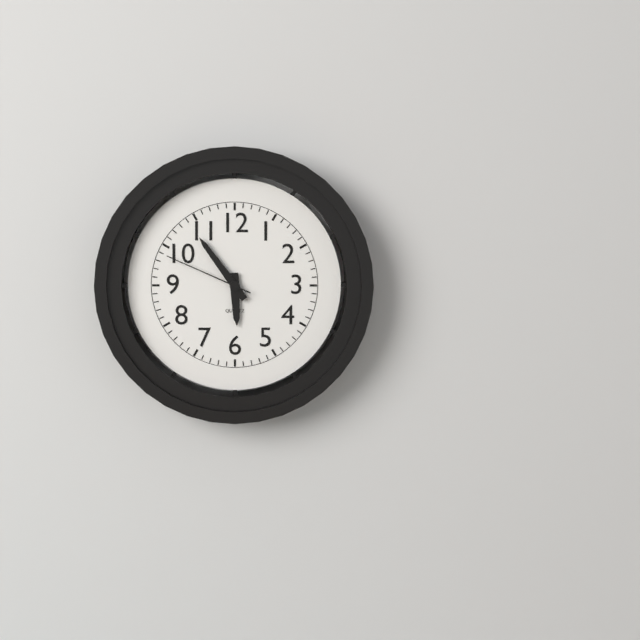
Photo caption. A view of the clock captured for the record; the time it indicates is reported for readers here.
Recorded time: 5:54:49
